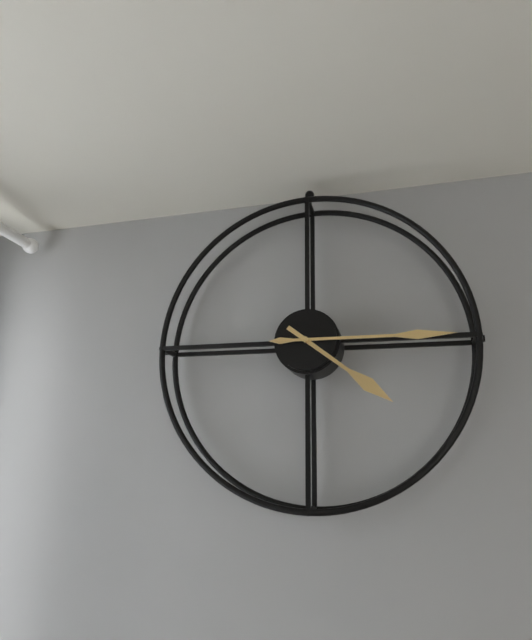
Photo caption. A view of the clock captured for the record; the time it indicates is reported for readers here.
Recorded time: 4:15
